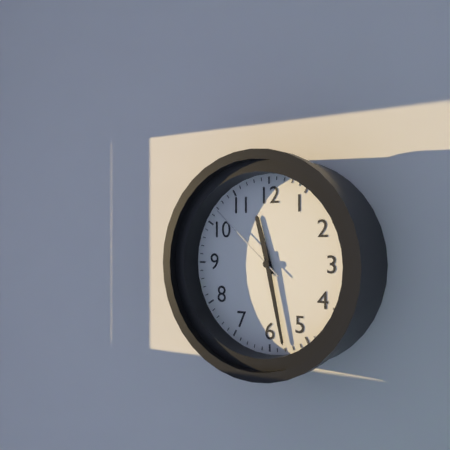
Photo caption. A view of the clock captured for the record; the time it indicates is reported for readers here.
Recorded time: 11:28:52
